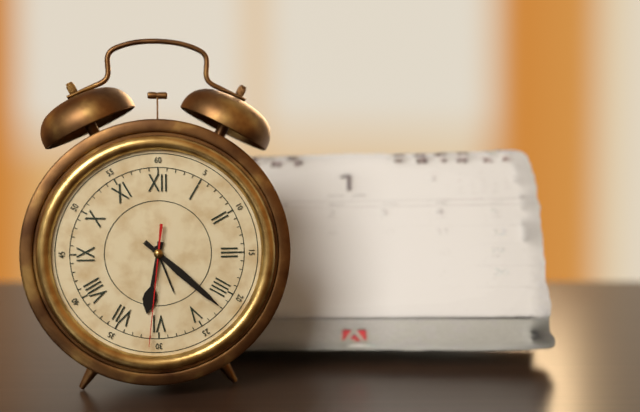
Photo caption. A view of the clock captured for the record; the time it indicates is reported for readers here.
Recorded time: 6:22:31
